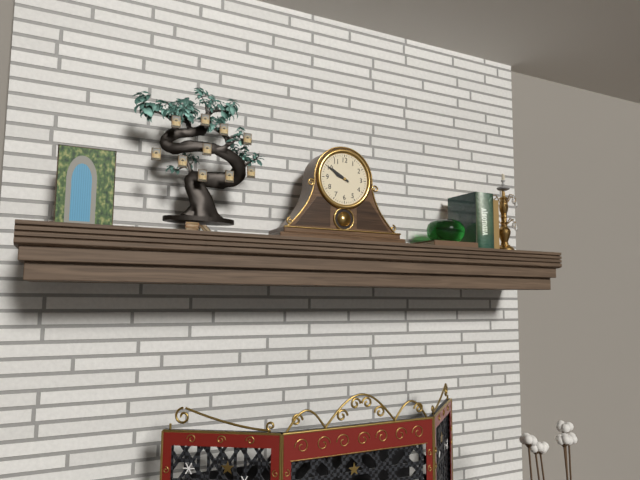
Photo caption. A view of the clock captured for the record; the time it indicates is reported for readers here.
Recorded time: 9:50
